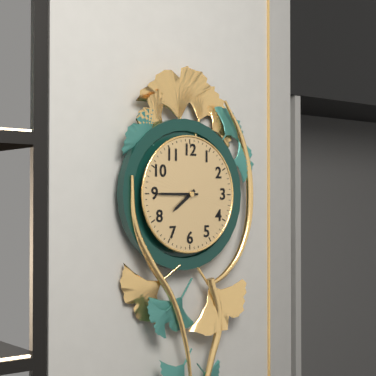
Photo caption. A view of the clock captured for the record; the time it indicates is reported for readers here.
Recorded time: 7:45
